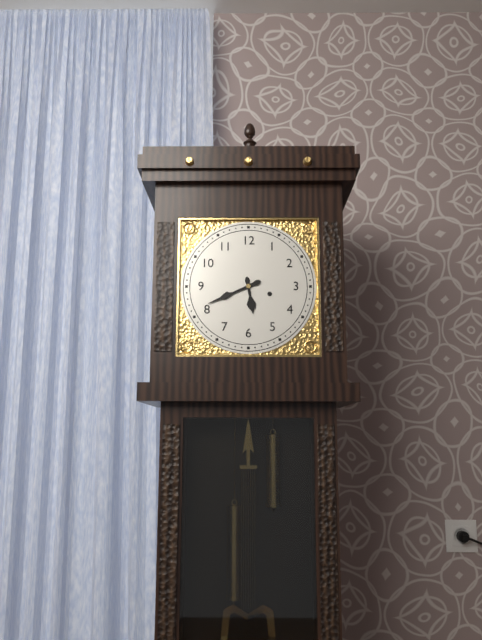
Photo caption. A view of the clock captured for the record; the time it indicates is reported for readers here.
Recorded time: 5:41
